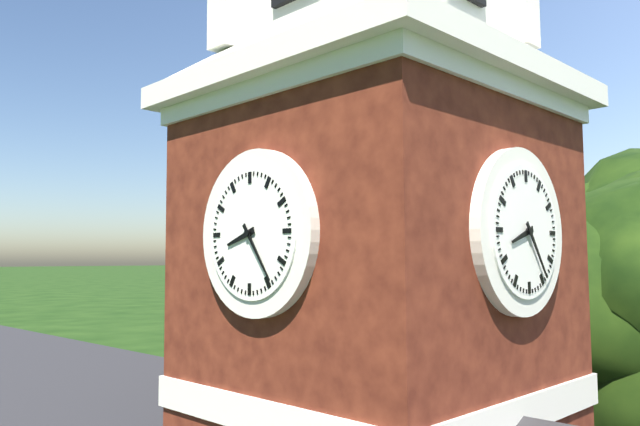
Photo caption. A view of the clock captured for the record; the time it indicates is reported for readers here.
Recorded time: 8:24
